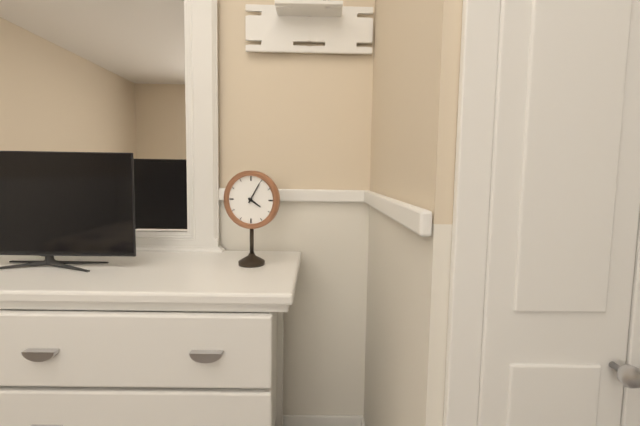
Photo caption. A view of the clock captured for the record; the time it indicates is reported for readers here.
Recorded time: 4:05
